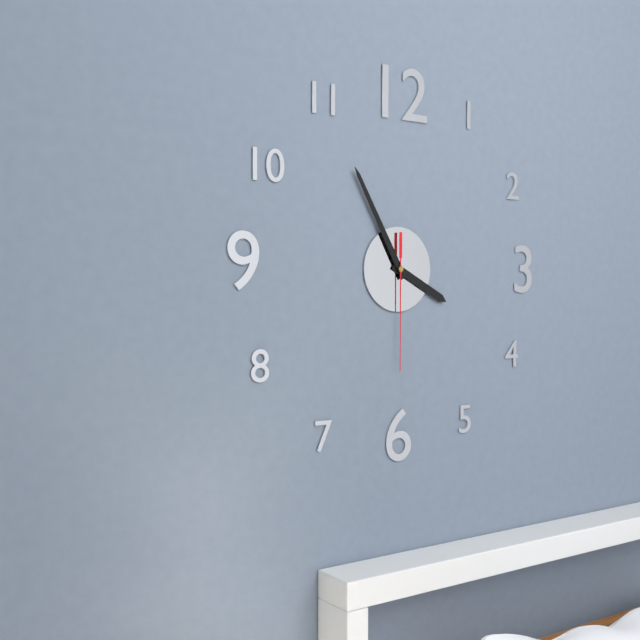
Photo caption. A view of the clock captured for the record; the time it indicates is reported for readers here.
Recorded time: 3:55:30
